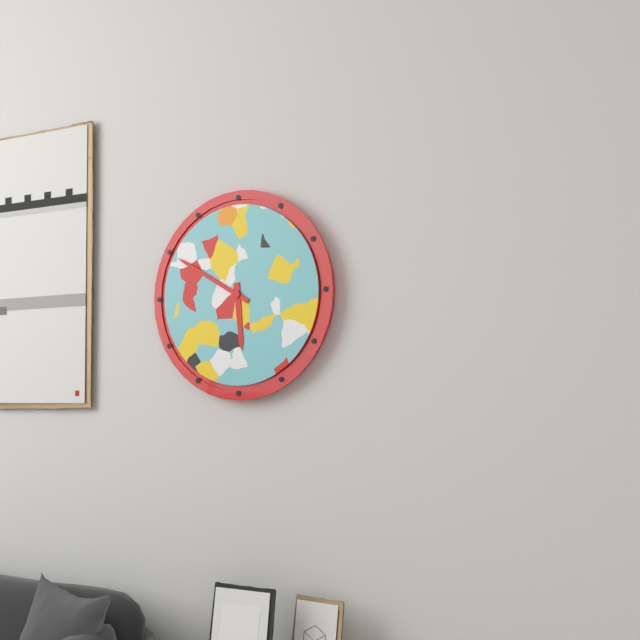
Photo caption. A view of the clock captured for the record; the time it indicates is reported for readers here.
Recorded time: 5:50
